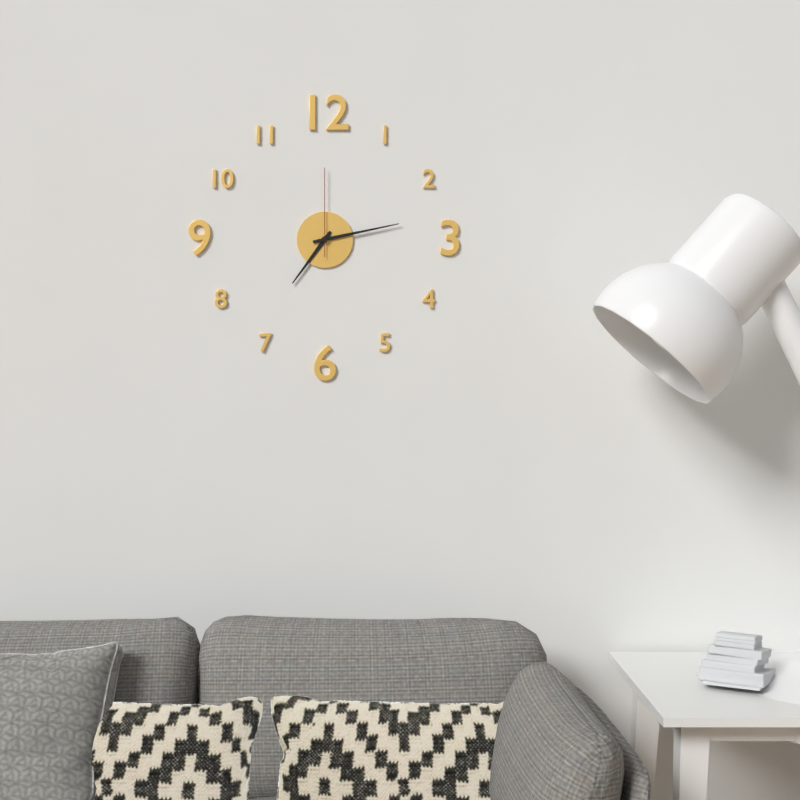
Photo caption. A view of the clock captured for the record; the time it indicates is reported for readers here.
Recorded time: 7:13:00
